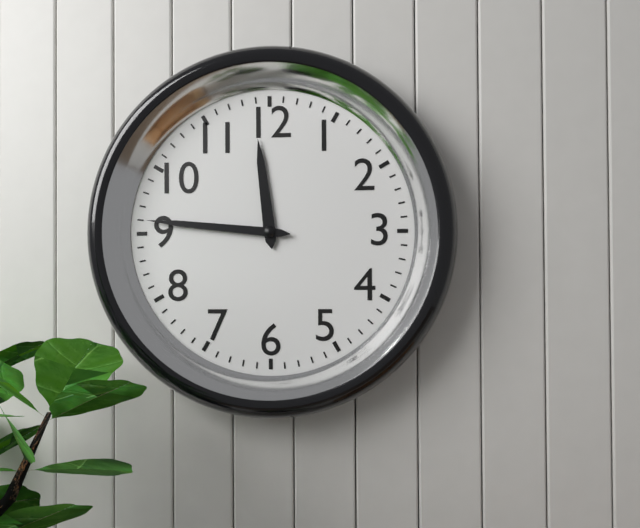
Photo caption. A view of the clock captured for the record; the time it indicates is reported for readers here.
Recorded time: 11:46
